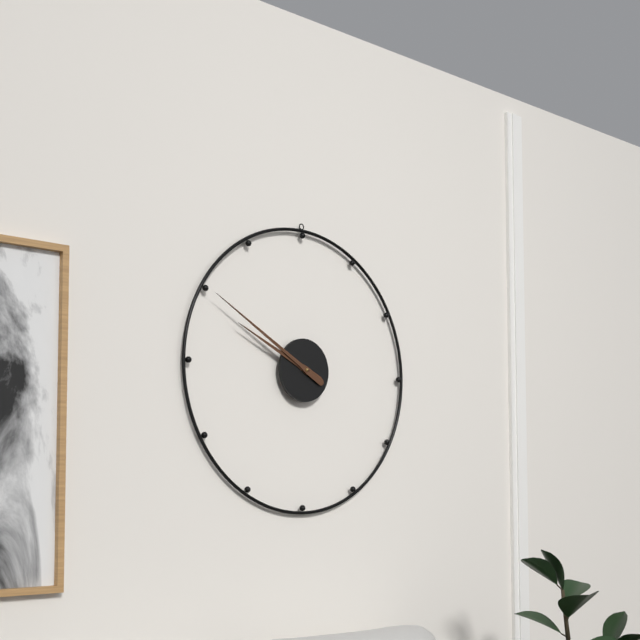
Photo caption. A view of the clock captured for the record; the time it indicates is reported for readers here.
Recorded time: 9:50
